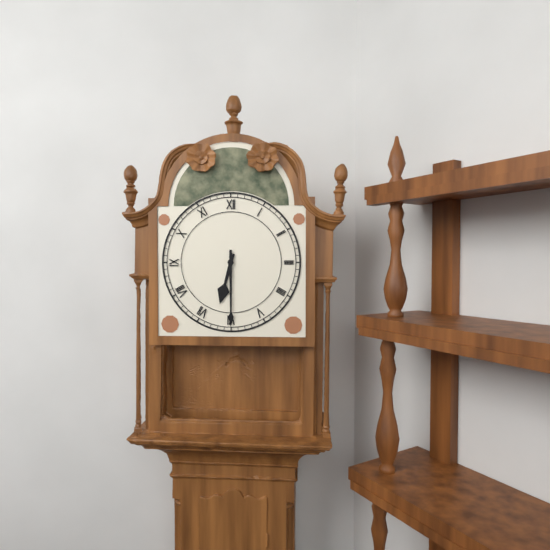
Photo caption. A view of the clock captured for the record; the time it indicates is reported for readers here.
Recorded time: 6:30
